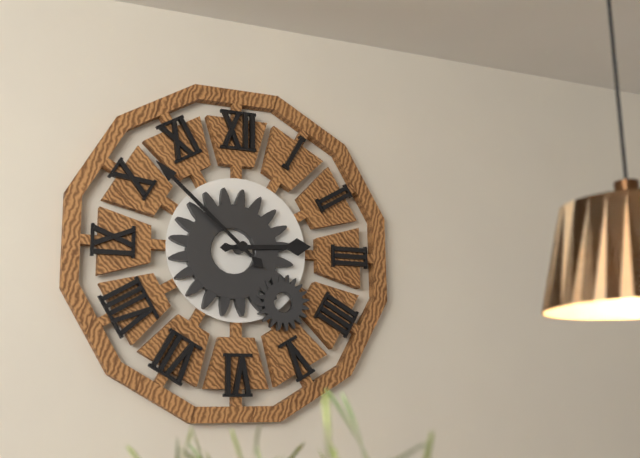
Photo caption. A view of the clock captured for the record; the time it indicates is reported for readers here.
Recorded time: 2:52
